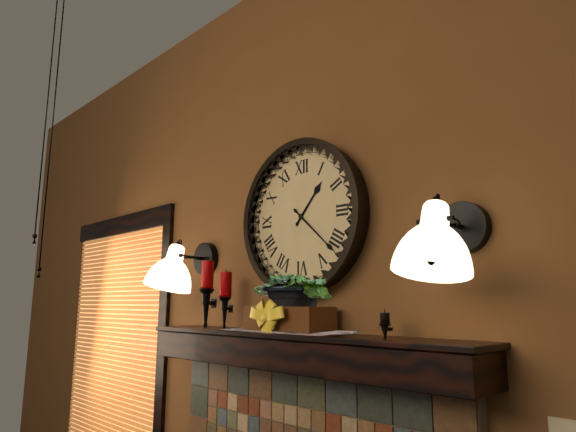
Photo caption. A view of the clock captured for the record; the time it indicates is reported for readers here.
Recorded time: 1:22
